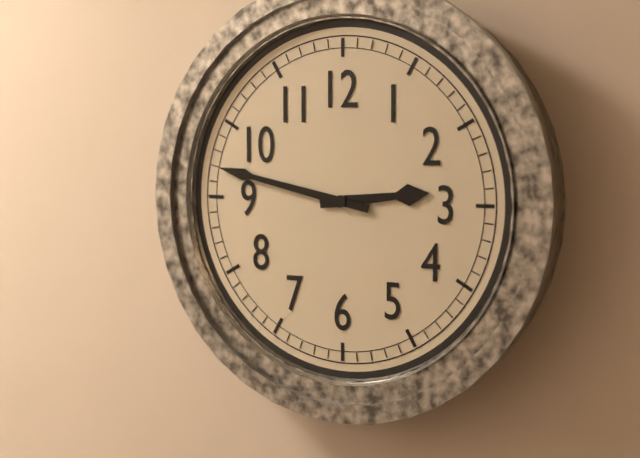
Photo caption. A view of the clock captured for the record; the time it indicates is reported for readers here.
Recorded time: 2:47
